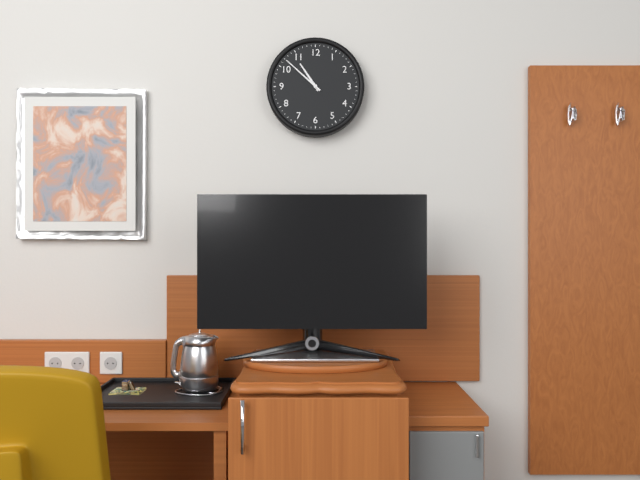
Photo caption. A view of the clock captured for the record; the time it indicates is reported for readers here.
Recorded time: 10:52
